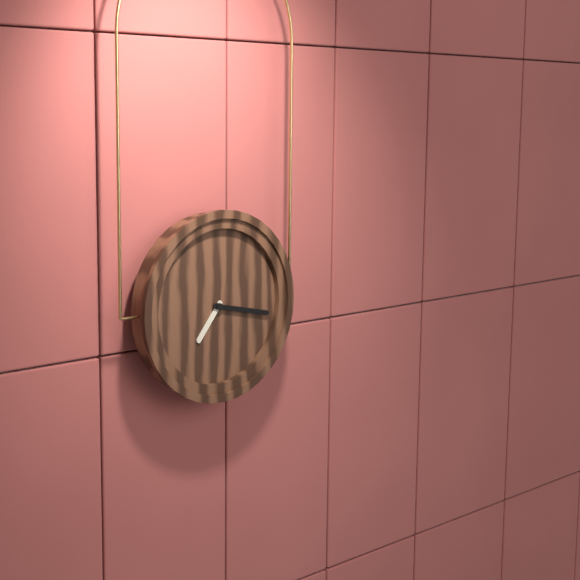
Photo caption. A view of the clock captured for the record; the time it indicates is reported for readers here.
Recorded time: 7:17
